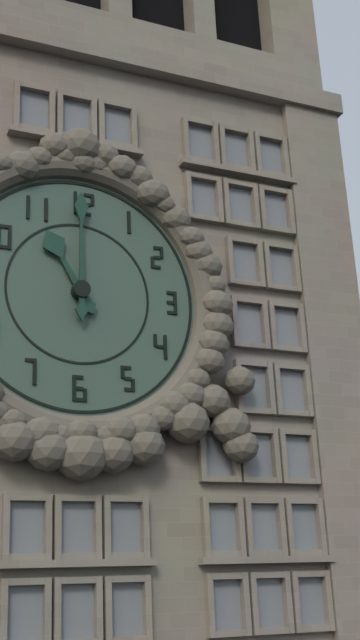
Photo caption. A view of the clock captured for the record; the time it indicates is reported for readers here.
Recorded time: 11:00
